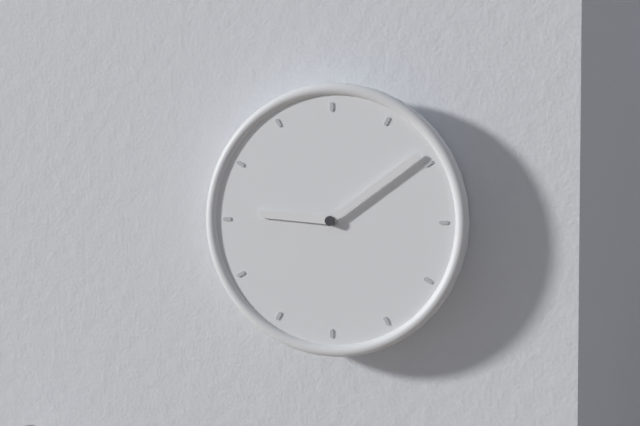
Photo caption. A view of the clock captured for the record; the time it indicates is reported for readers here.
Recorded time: 9:09
